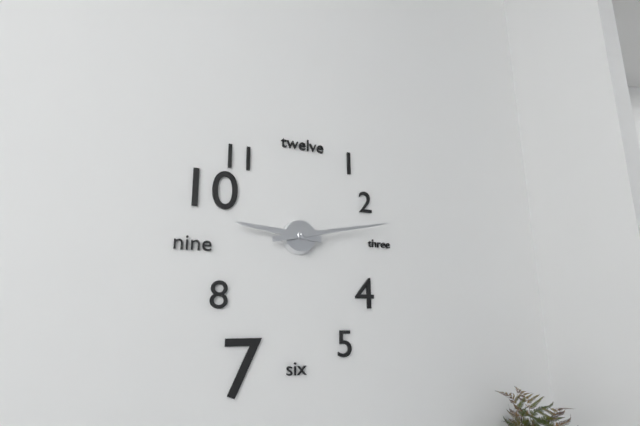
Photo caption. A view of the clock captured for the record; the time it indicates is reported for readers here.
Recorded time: 9:13
